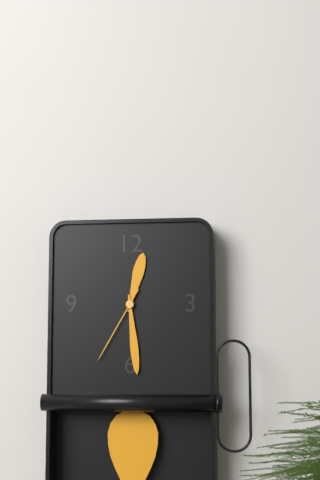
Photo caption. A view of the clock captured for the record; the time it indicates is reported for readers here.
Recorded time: 12:29:35
